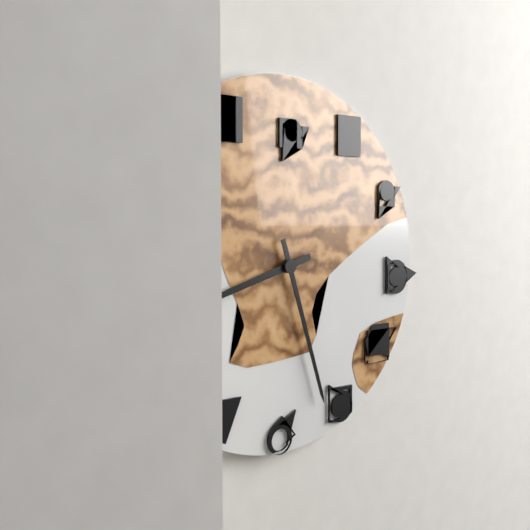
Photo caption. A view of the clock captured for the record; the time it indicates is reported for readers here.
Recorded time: 8:27
